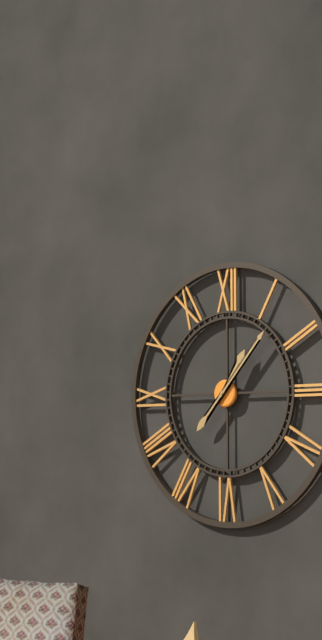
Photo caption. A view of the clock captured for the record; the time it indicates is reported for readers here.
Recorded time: 1:07
